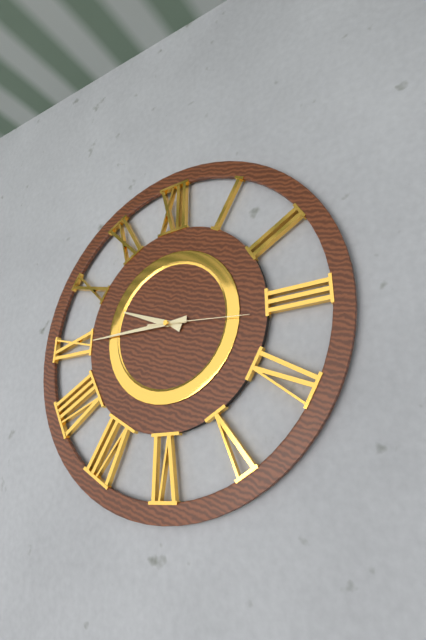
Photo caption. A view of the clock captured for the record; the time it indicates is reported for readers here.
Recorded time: 9:45:16
